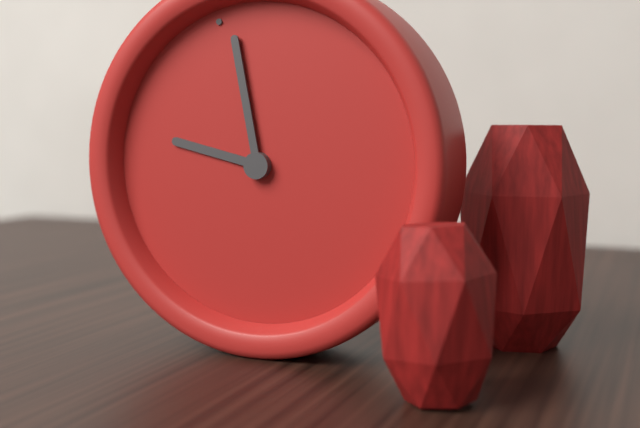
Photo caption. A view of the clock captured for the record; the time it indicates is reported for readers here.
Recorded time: 10:01
